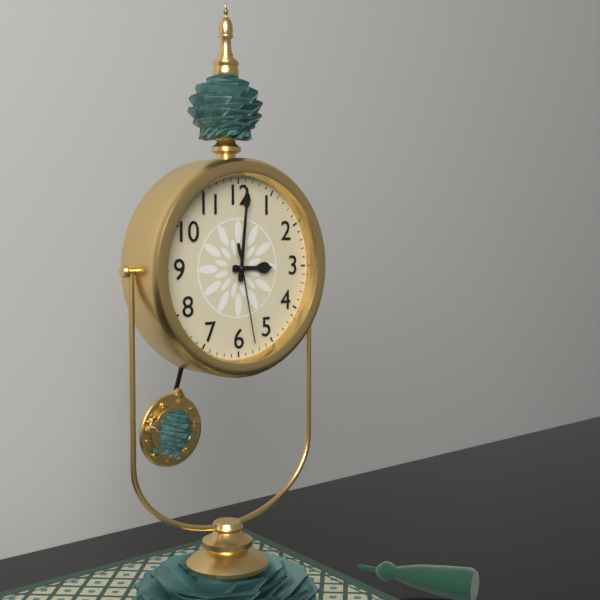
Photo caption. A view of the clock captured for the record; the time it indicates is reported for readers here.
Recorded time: 3:01:28
